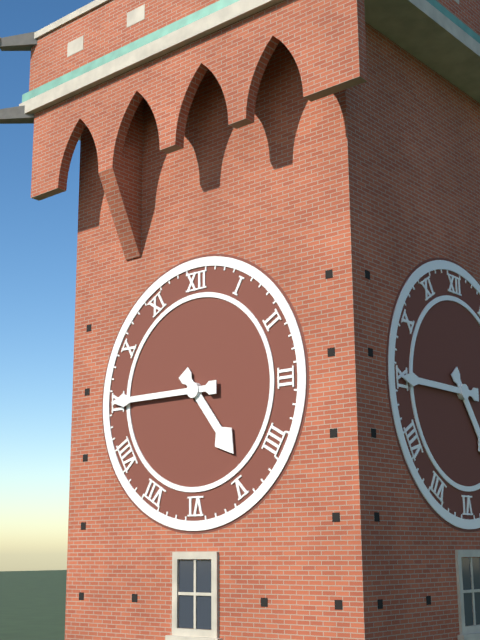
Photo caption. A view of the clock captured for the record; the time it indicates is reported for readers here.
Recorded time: 4:45
